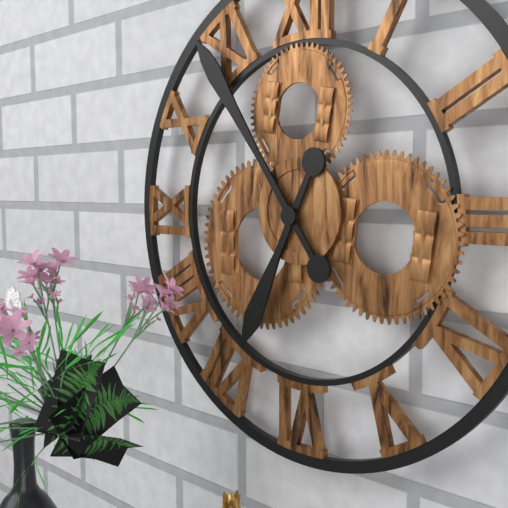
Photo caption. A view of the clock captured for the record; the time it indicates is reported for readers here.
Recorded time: 6:54
